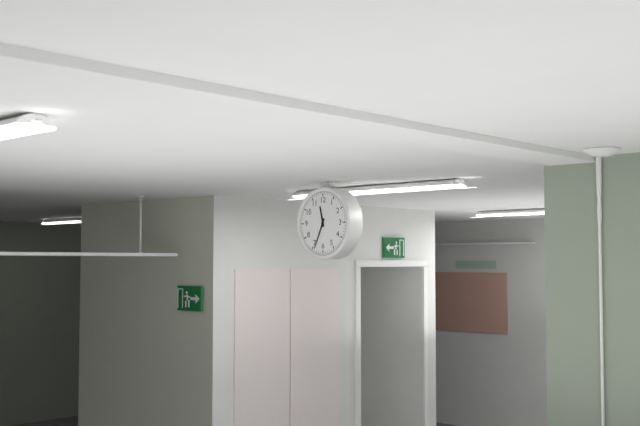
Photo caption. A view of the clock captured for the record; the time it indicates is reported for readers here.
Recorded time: 11:34
